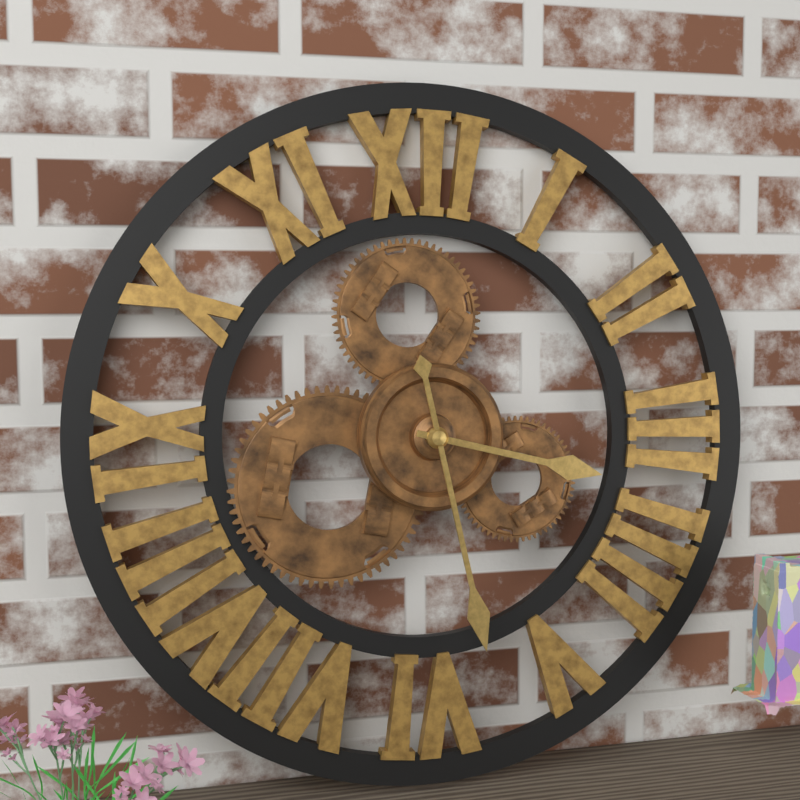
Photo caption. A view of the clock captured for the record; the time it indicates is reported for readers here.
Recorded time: 3:28
